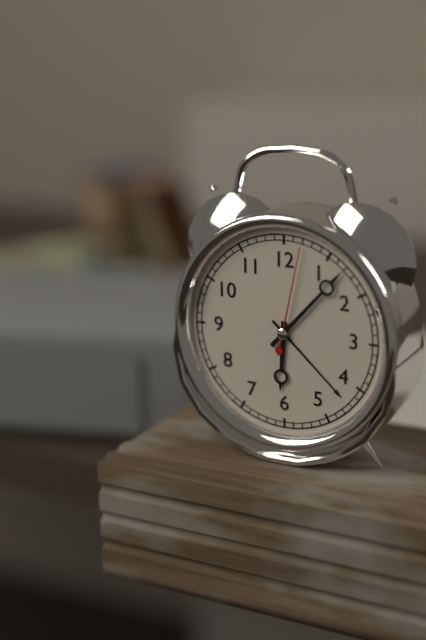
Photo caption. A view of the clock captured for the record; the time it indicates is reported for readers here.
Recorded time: 6:07:02
